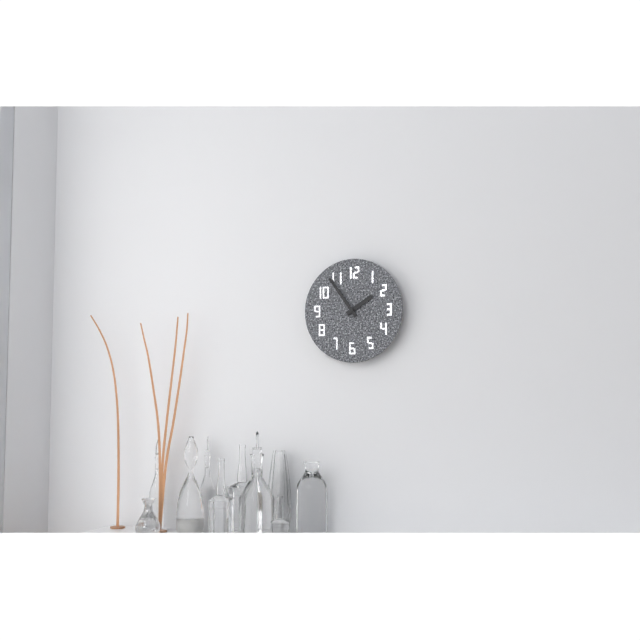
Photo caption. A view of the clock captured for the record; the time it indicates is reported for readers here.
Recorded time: 1:54
